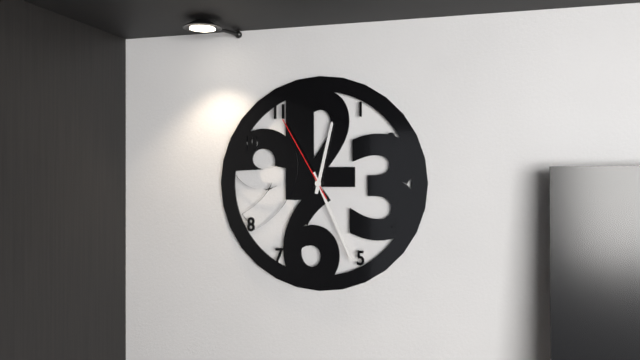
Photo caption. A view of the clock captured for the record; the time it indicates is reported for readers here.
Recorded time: 12:26:55
